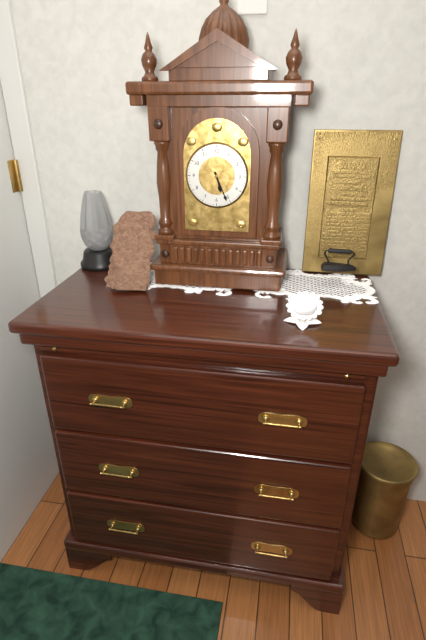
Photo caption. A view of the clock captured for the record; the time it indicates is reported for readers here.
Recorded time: 5:26
